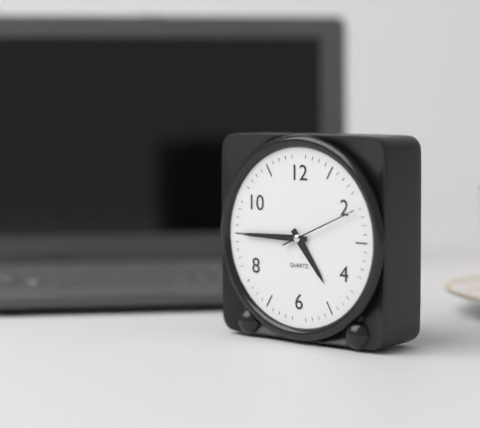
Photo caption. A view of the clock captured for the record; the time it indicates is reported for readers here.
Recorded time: 4:45:11
